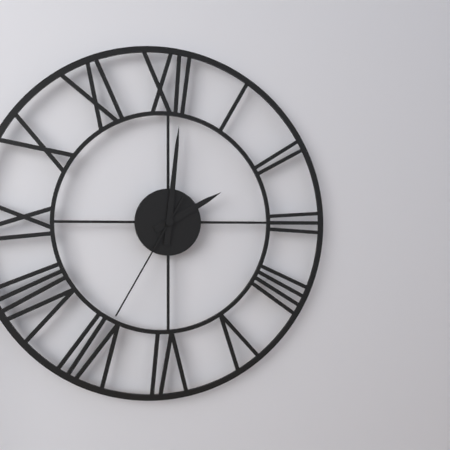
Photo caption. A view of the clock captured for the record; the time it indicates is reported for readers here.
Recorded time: 2:01:35
